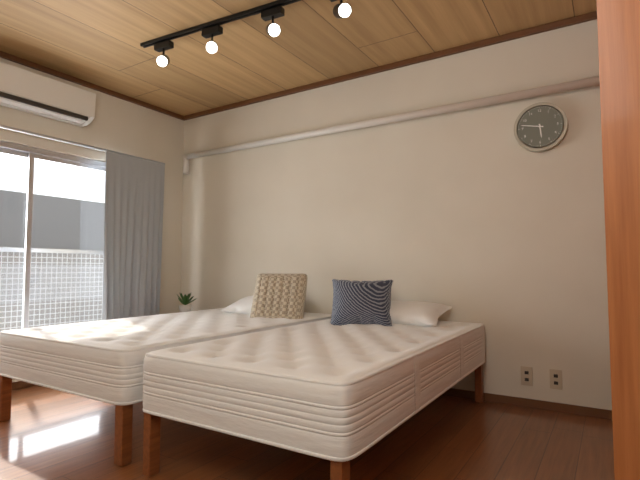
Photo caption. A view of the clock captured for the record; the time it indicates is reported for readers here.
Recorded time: 5:47
